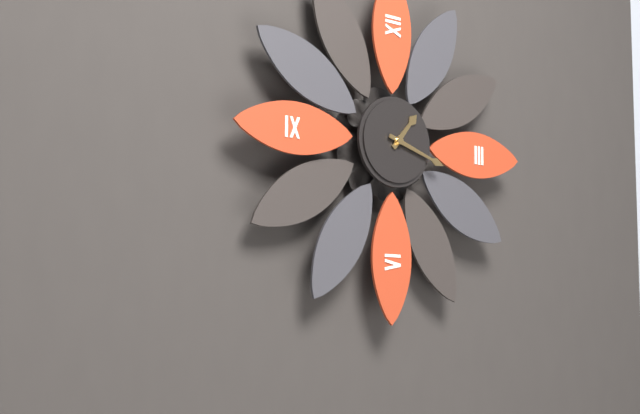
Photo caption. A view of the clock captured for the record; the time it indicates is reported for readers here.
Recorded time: 1:18
